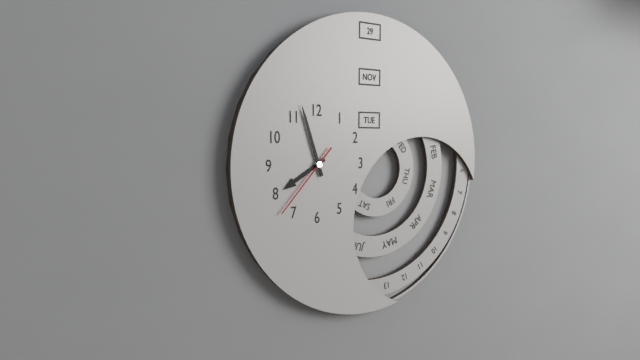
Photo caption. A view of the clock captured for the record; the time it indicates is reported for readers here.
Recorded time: 7:57:37
